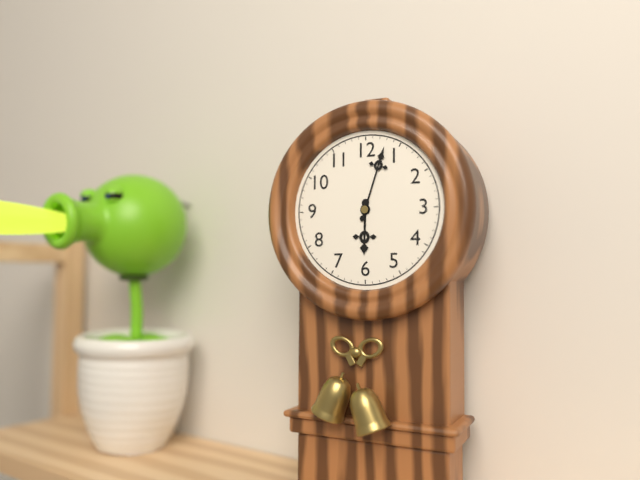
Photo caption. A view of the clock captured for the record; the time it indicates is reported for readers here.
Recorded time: 6:03
